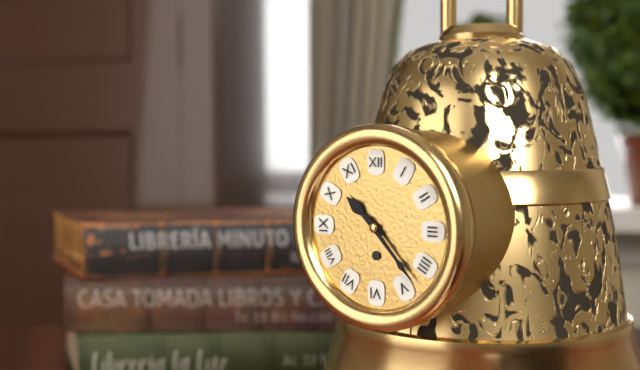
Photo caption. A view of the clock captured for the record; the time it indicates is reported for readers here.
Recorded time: 10:23
